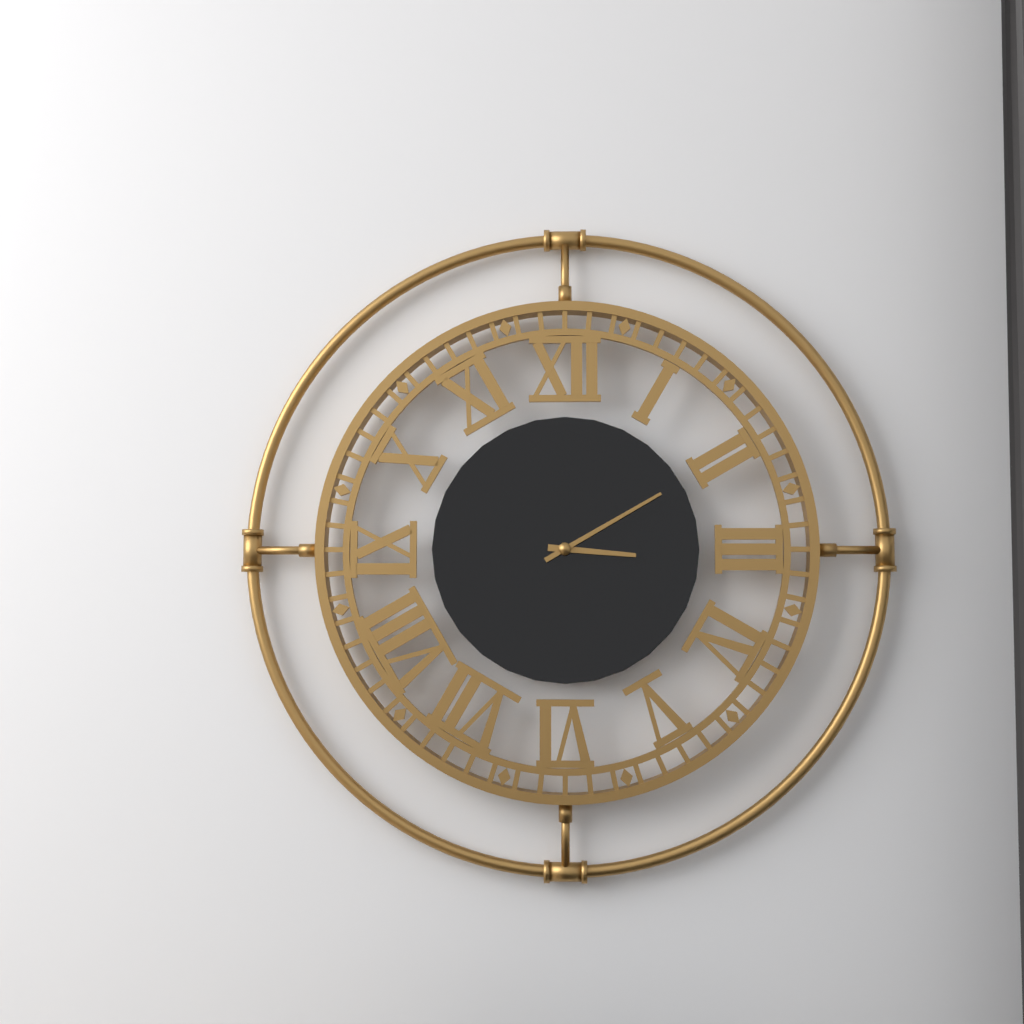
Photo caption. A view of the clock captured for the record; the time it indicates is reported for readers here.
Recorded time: 3:10
